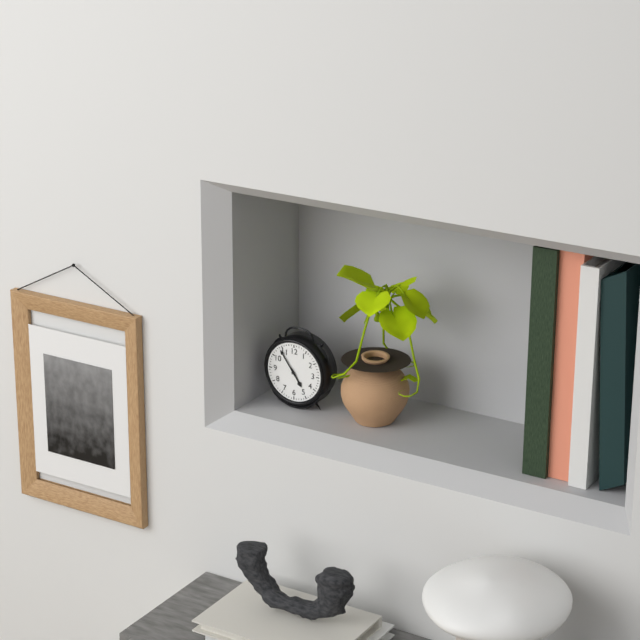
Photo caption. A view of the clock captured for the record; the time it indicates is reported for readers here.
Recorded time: 4:54
